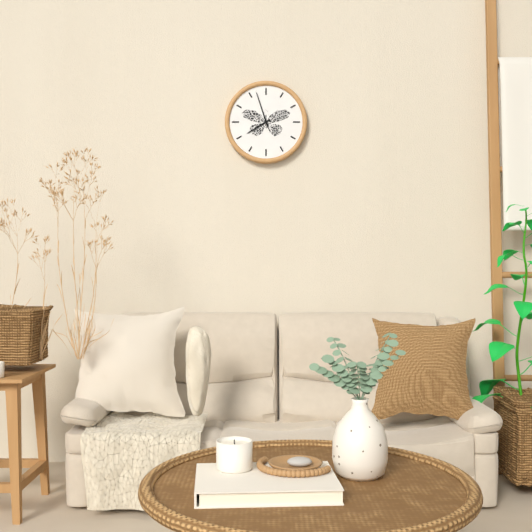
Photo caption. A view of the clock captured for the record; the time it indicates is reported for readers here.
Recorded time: 7:57
